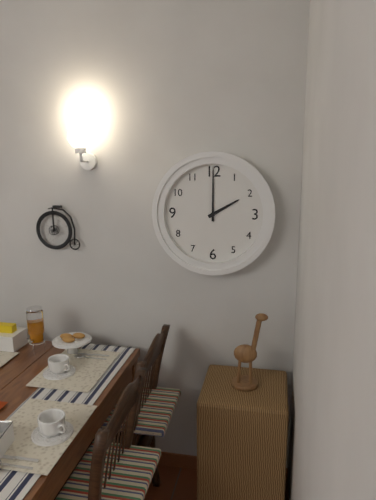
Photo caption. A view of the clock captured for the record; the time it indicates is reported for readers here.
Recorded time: 2:00
